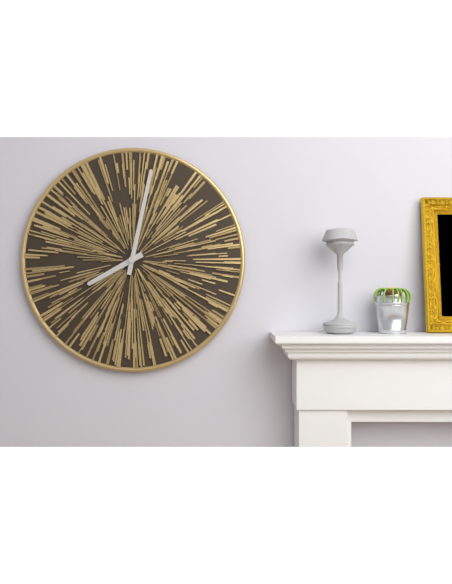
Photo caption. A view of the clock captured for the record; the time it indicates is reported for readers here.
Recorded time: 8:02
